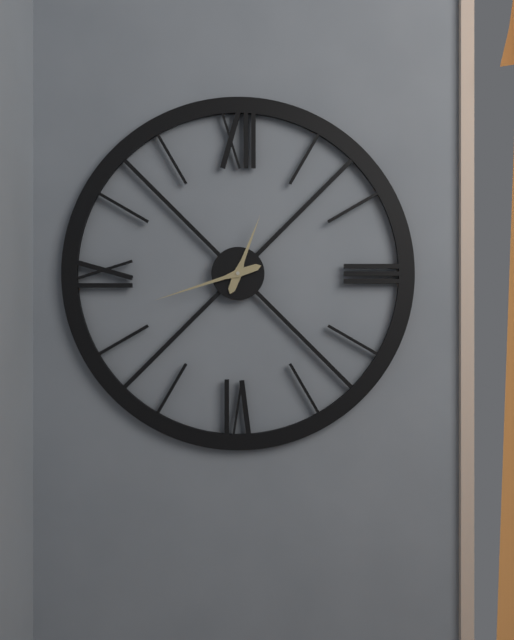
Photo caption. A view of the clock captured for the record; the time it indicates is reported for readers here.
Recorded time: 12:42
